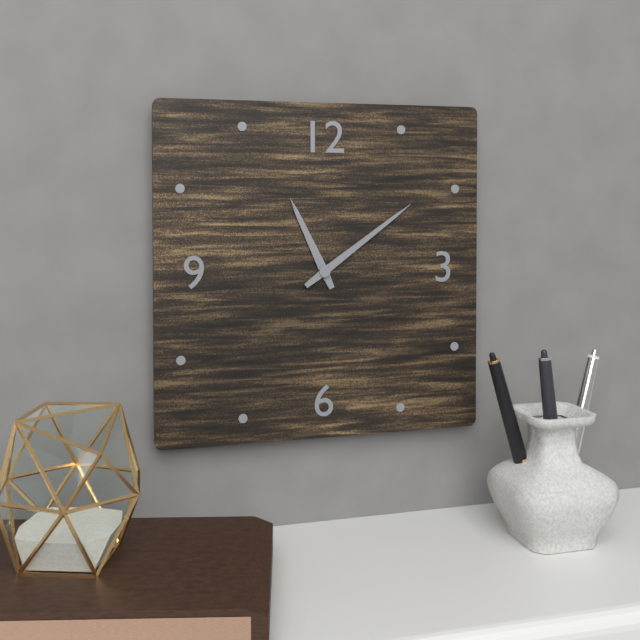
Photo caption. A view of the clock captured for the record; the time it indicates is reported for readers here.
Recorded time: 11:09
